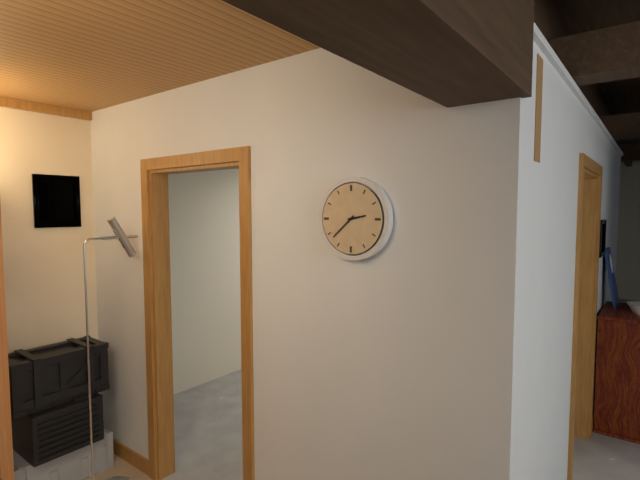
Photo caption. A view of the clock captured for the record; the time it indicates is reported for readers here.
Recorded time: 2:38
